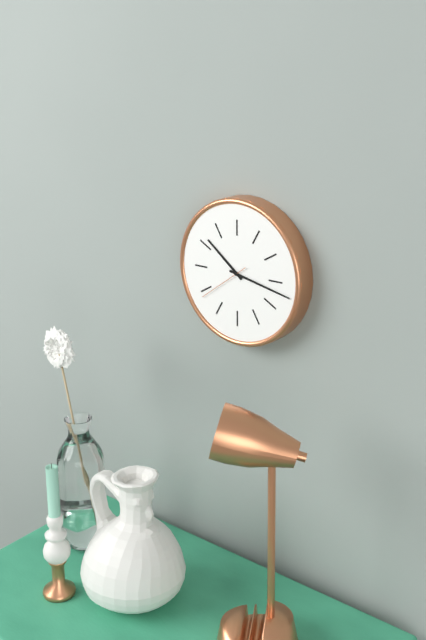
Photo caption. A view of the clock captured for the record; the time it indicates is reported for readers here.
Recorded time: 10:17:39
